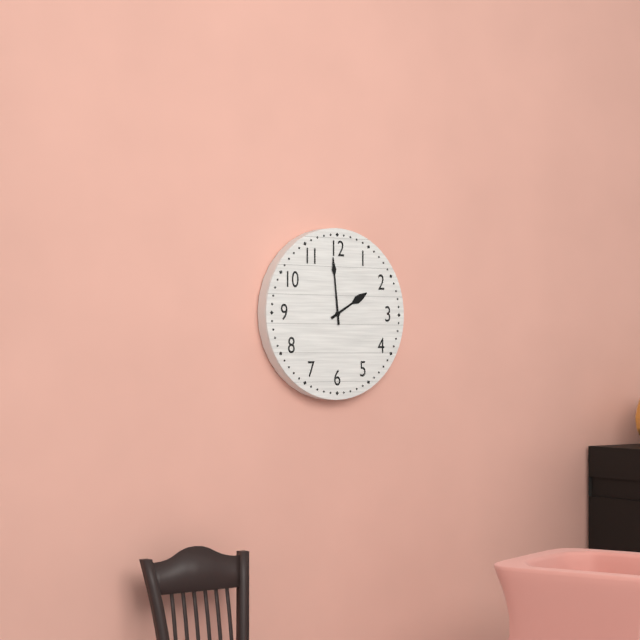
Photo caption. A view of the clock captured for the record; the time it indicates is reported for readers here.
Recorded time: 1:59
